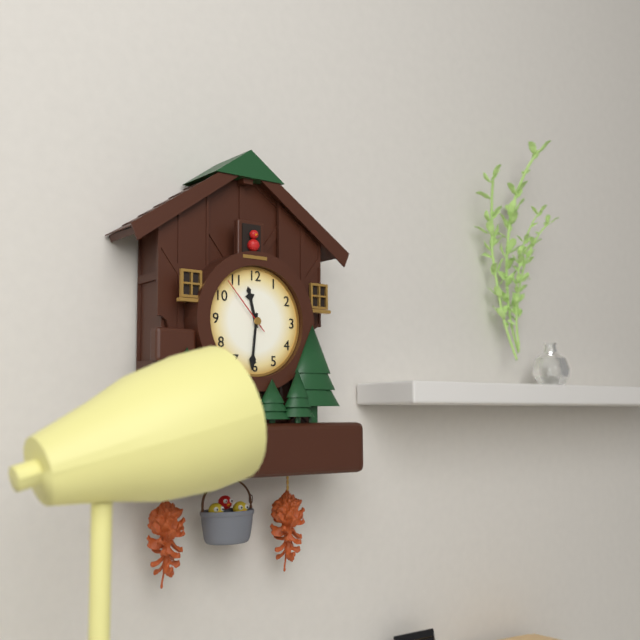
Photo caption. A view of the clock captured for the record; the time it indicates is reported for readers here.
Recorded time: 11:31:53
